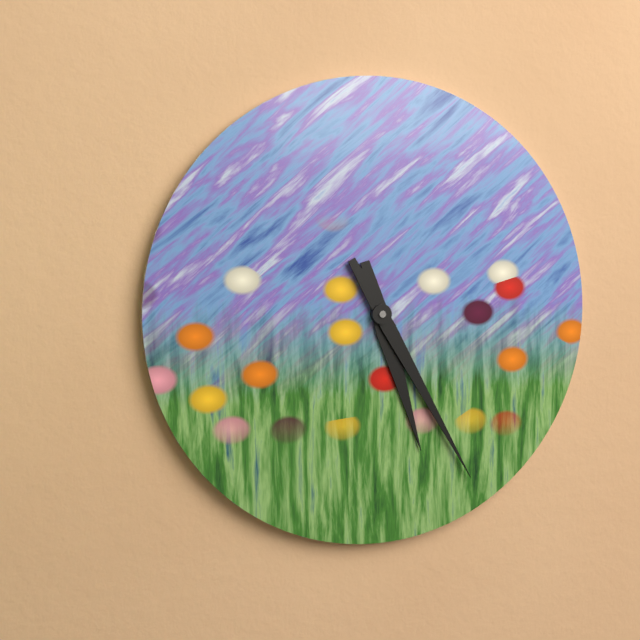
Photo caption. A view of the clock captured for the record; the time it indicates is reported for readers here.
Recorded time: 5:25
